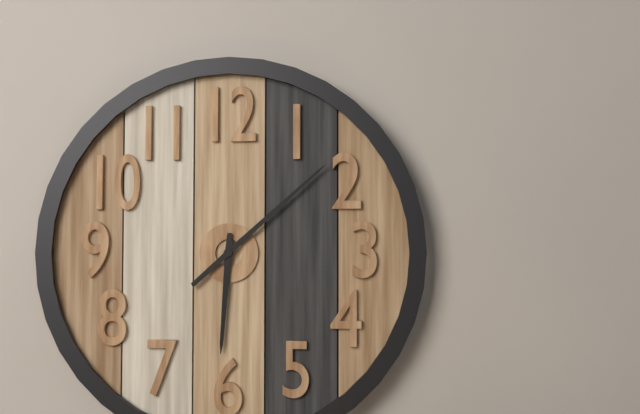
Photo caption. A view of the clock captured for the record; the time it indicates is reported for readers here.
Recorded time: 6:08
